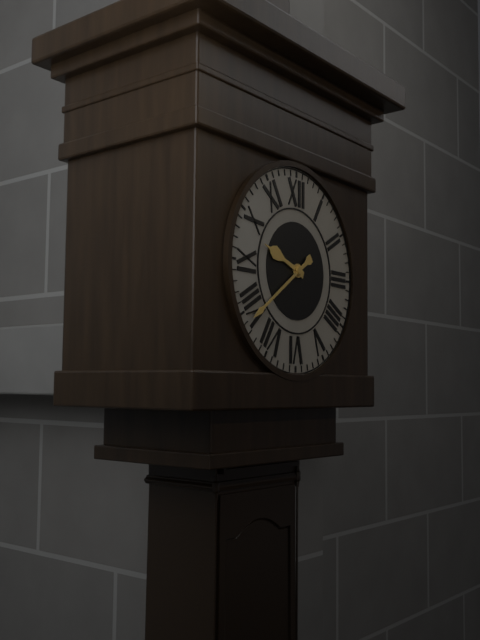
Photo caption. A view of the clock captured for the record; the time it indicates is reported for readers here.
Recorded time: 9:39
